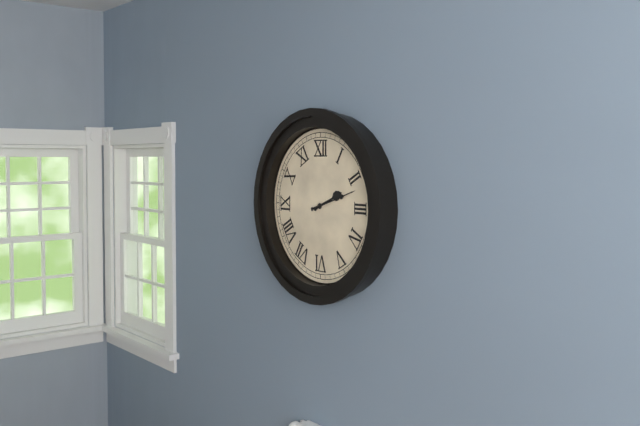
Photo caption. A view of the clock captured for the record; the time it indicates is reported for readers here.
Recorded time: 2:12
